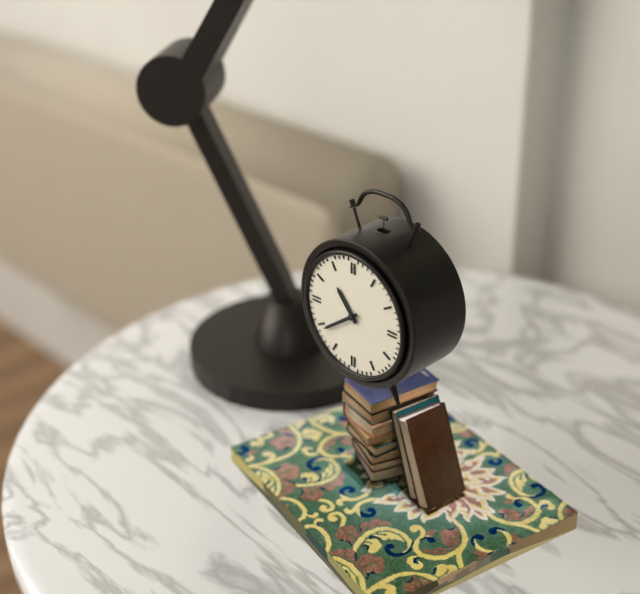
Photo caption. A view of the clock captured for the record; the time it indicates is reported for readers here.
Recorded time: 10:39
